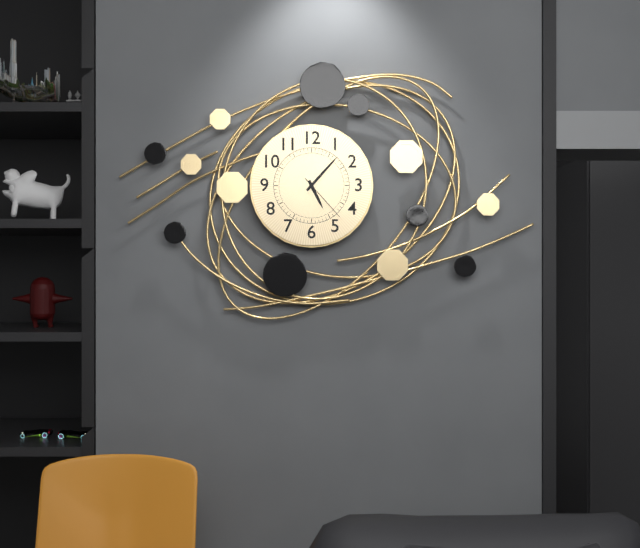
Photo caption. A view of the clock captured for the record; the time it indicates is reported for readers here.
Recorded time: 5:07:23
